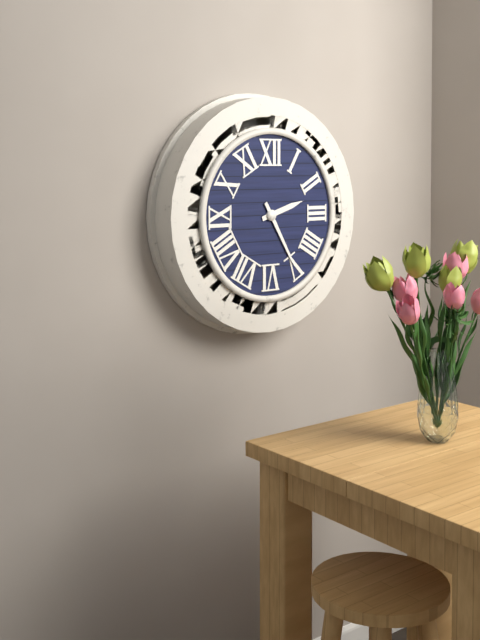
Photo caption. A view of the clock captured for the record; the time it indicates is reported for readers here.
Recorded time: 2:25
